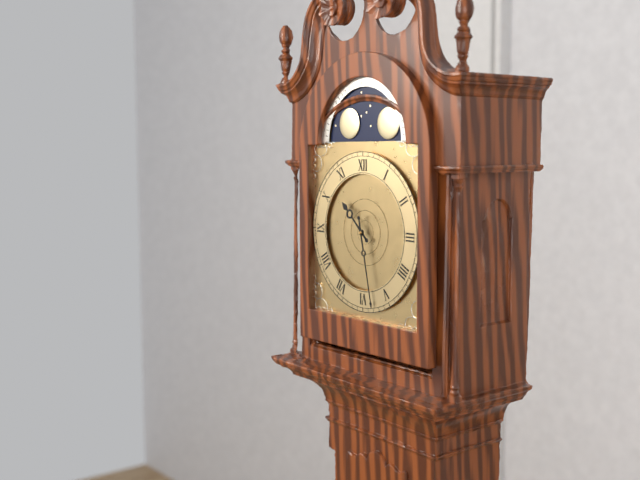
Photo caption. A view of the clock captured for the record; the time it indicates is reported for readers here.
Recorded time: 10:28
